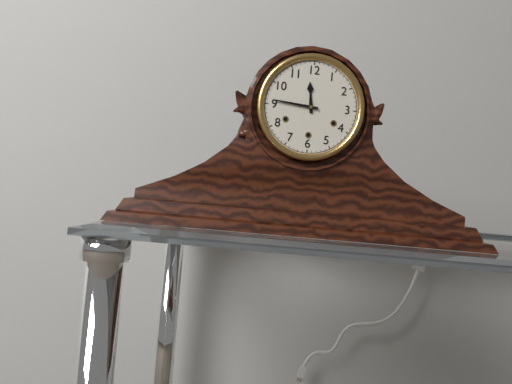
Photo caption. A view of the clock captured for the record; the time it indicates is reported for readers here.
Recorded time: 11:46
